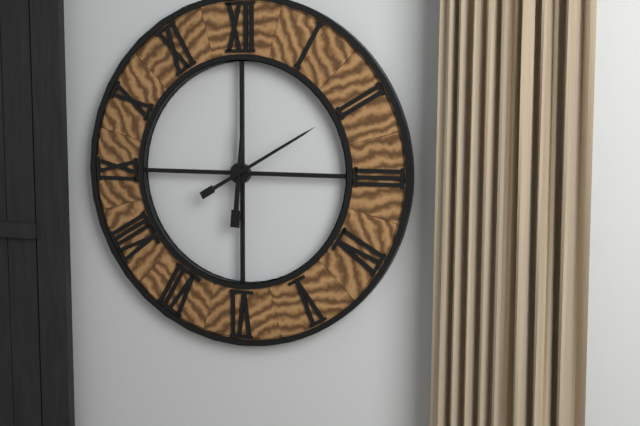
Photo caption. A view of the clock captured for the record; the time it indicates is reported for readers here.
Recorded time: 12:10
